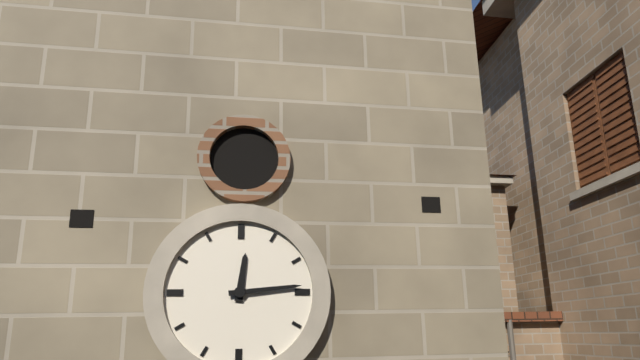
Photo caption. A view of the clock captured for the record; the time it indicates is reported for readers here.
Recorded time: 12:14
